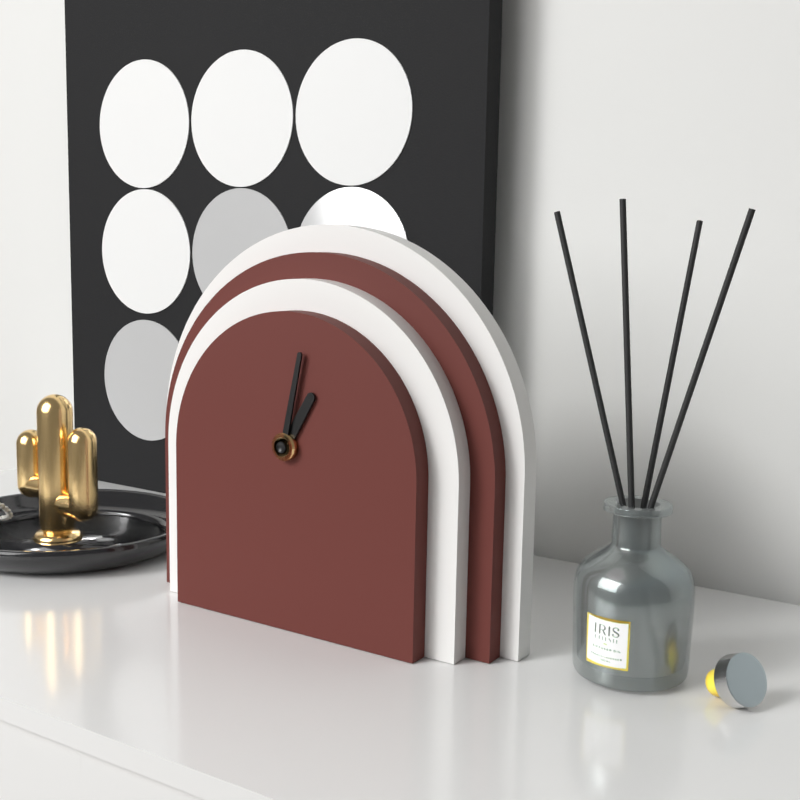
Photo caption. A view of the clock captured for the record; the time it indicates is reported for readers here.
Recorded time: 1:02
